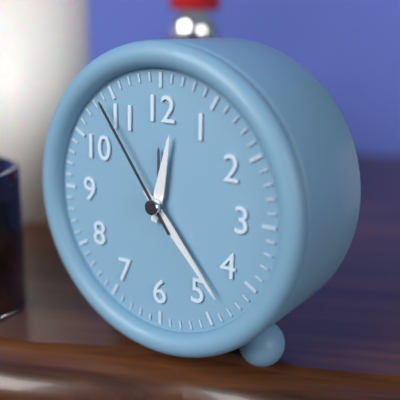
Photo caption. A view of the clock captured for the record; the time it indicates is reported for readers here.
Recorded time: 12:23:54
